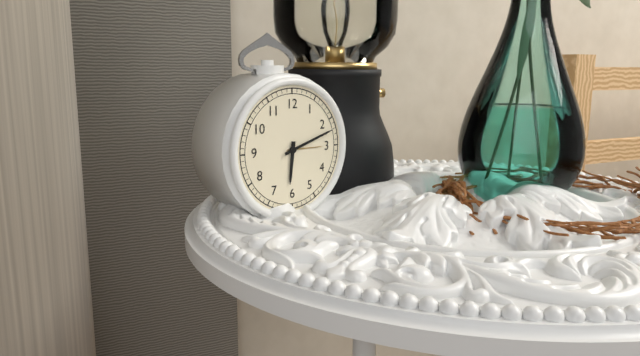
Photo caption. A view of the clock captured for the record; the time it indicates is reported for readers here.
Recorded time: 6:12
